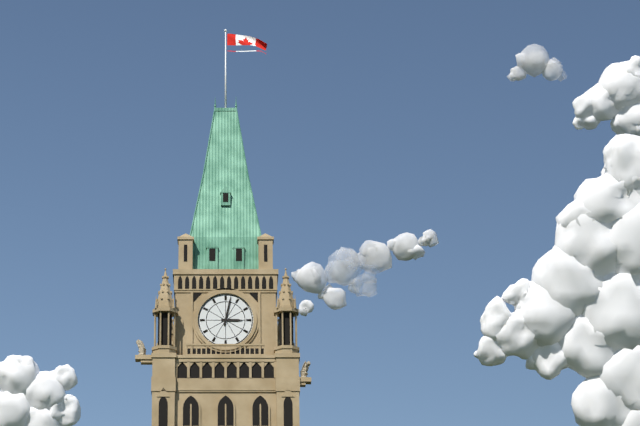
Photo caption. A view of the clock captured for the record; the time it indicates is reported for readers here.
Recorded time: 3:02
